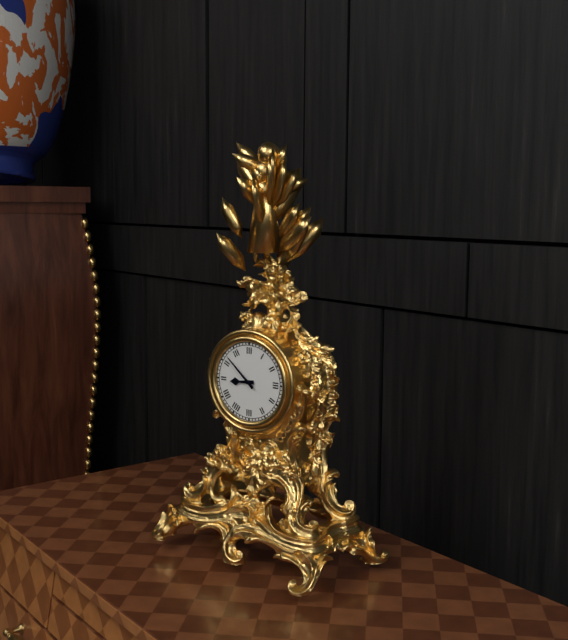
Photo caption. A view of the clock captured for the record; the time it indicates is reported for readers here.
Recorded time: 8:52
